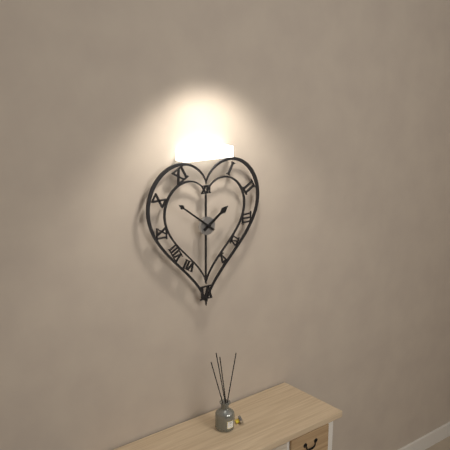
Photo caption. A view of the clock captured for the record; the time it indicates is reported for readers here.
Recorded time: 1:51
